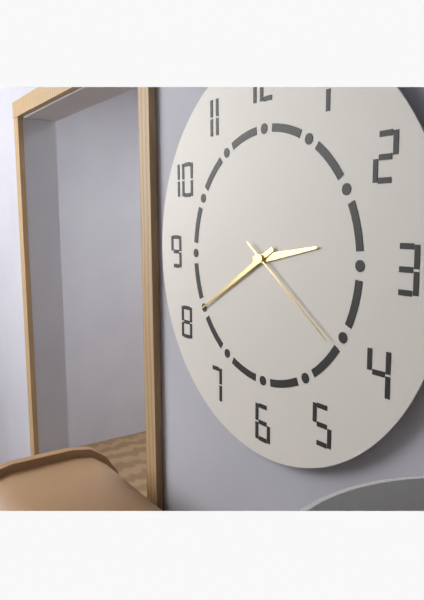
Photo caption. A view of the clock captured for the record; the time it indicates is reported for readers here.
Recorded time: 2:40:21
